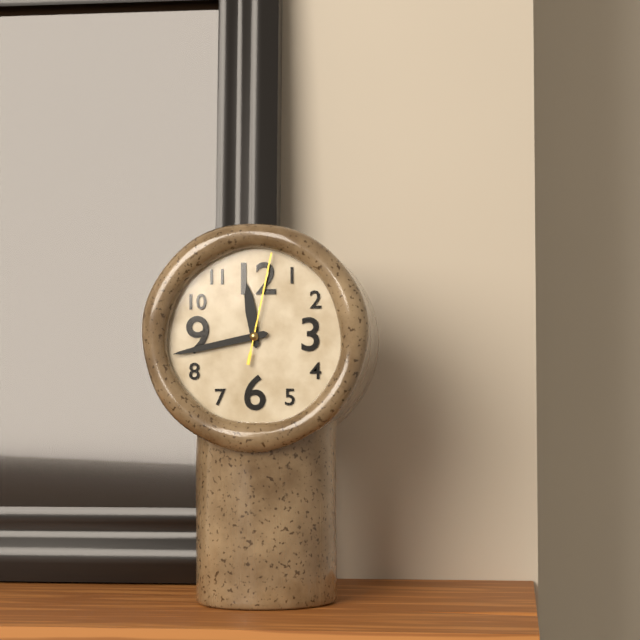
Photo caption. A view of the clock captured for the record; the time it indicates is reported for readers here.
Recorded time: 11:43:02
